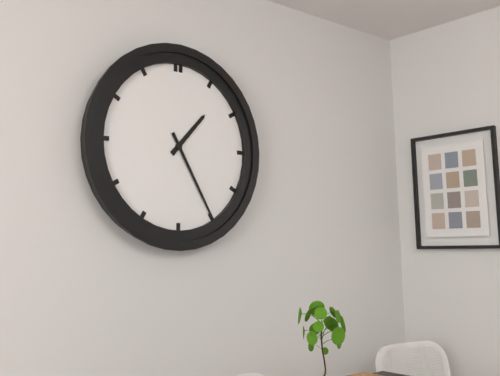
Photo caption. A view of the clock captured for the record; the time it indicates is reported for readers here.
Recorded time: 1:25
